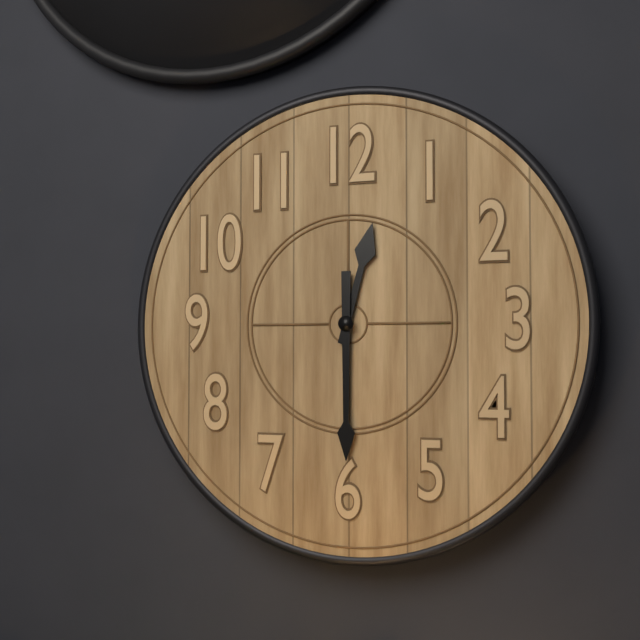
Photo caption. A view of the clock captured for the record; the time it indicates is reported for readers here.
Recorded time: 12:30
